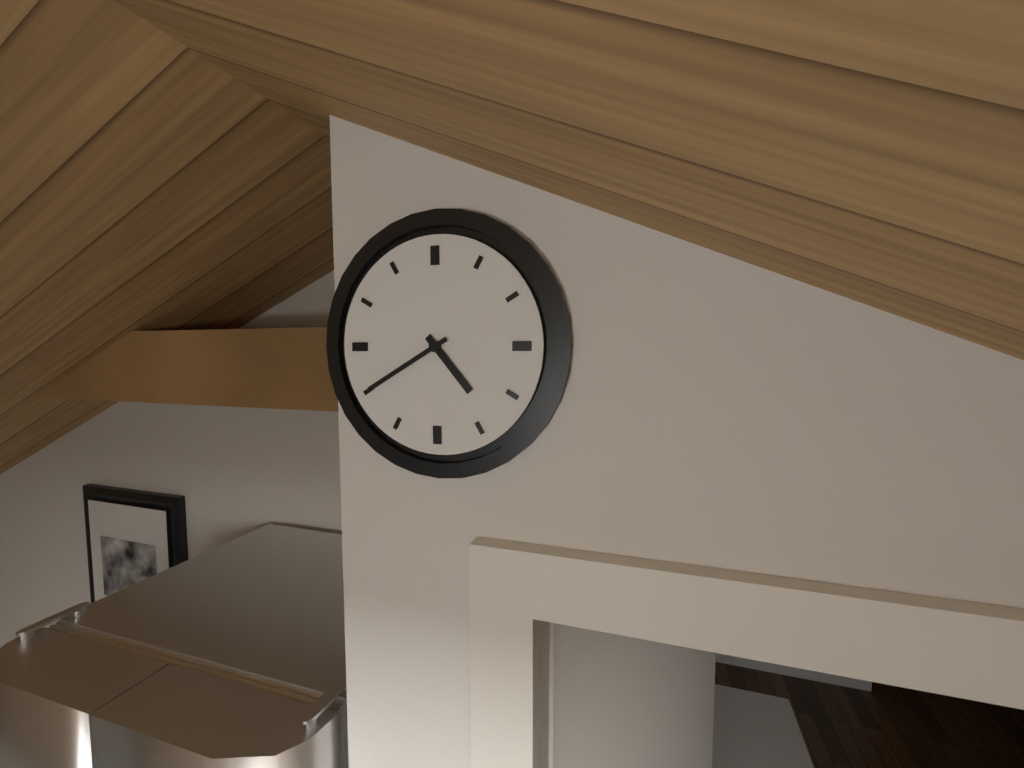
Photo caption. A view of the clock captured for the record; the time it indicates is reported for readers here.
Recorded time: 4:40
